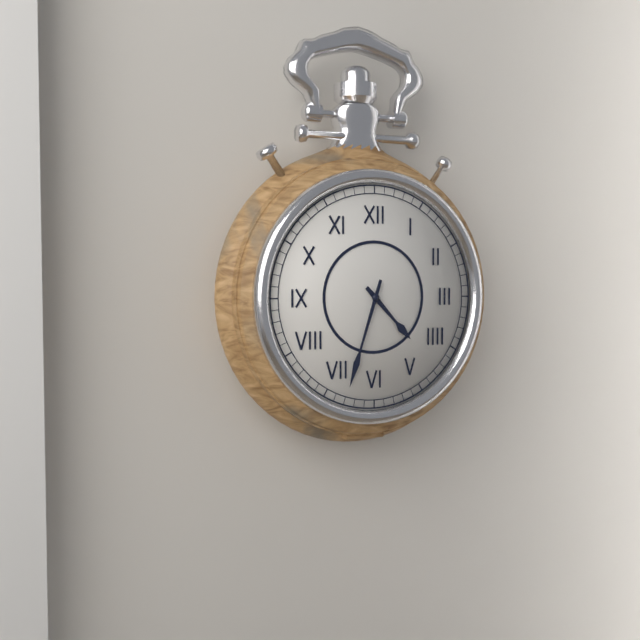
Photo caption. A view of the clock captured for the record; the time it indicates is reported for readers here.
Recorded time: 4:33
